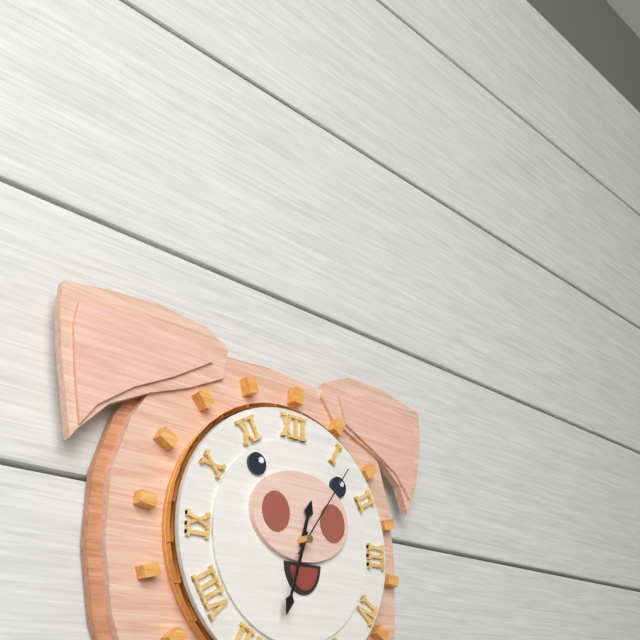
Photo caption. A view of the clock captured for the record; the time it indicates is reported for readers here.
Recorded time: 12:33:06
